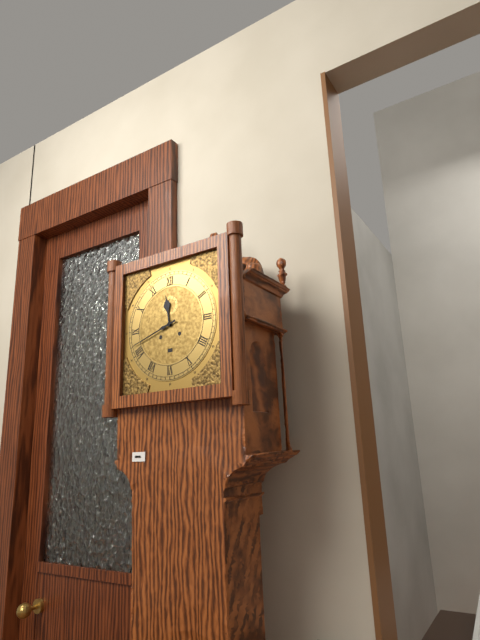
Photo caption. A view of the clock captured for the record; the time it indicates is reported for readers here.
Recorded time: 11:42
